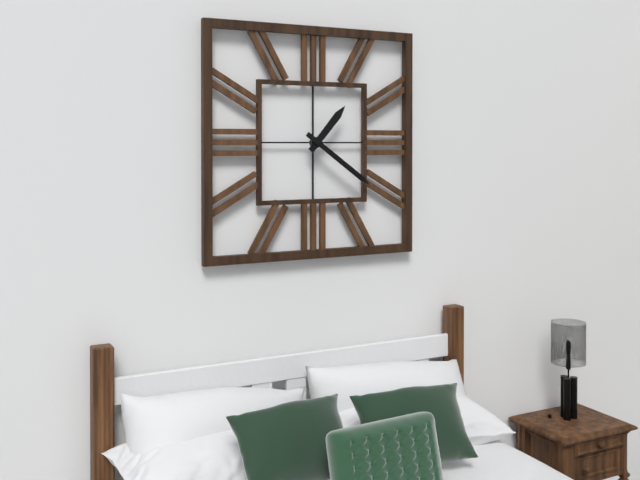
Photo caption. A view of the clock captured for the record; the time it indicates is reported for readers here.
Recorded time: 1:21
